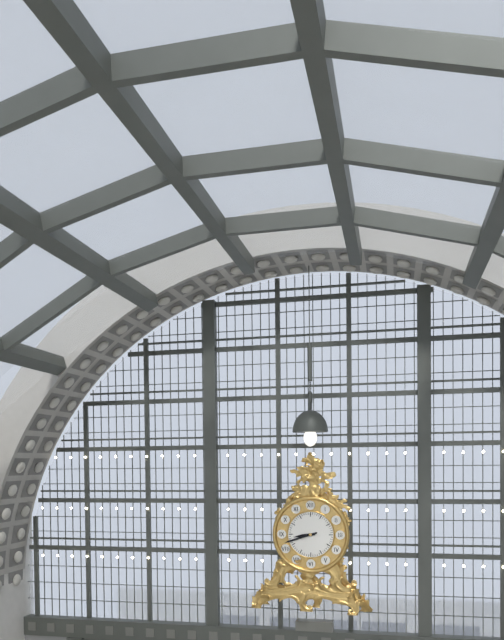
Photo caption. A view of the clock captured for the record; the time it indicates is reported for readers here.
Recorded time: 8:42
